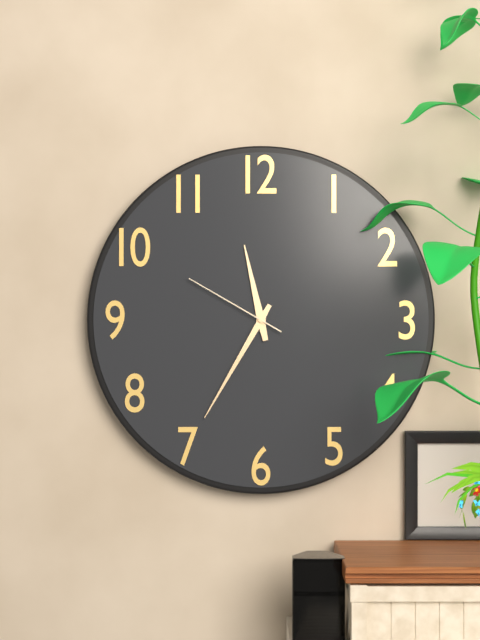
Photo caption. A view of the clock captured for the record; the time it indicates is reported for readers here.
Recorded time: 11:35:50
